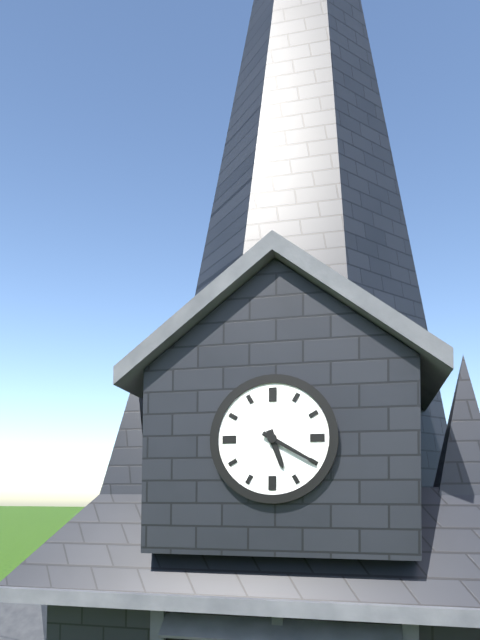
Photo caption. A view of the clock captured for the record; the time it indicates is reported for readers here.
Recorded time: 5:20
